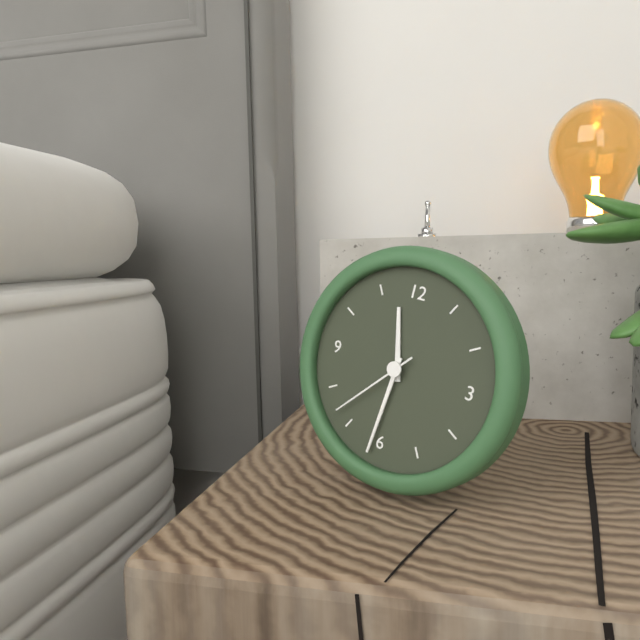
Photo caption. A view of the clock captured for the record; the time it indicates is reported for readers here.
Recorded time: 11:31:37
